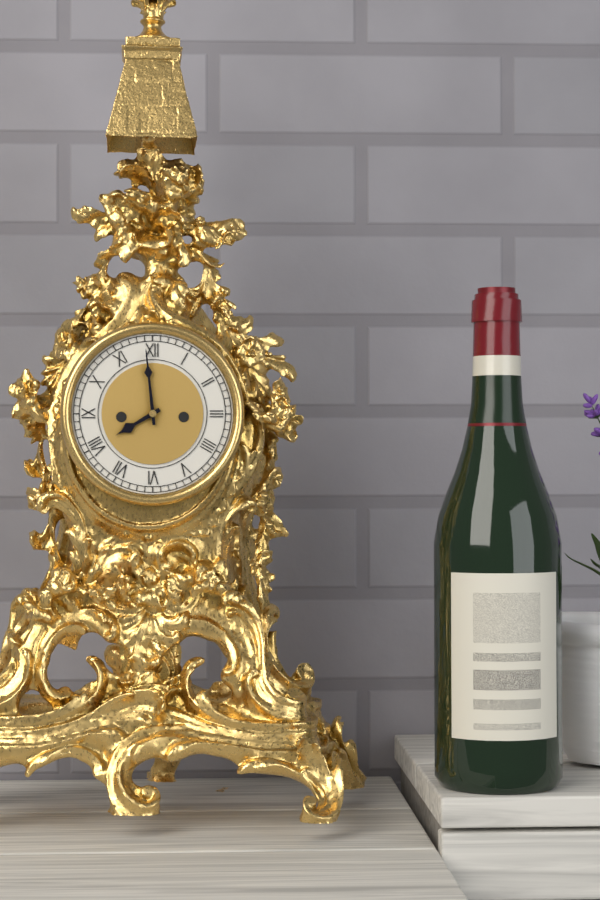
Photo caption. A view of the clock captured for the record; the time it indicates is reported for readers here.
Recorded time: 7:59
